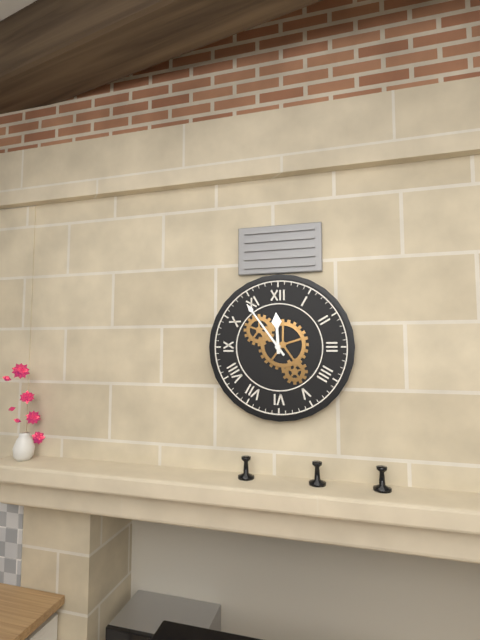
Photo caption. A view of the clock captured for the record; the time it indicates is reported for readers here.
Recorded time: 11:54
